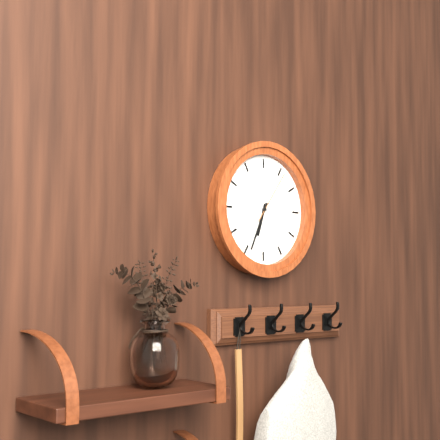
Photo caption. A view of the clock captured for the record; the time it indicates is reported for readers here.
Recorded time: 6:34:06
